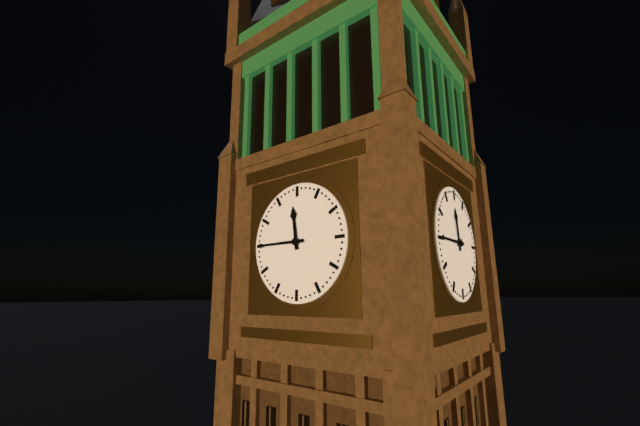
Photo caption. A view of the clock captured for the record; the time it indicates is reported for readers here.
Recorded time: 11:45
